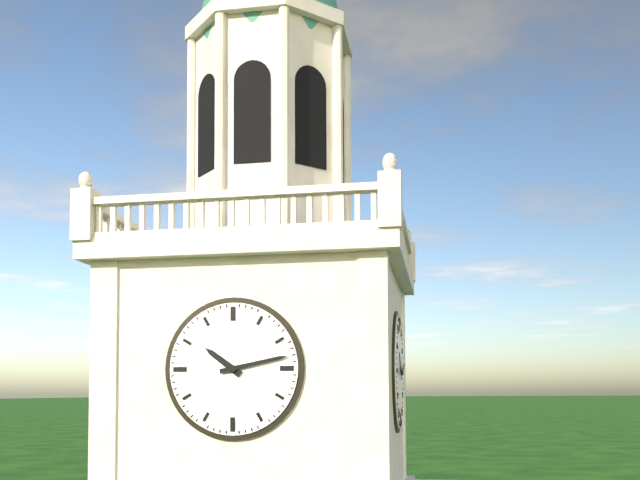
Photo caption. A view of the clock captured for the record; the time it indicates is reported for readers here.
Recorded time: 10:13
